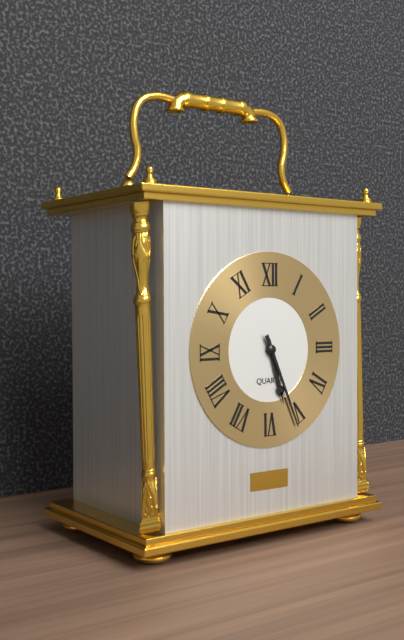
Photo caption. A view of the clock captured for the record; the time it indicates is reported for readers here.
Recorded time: 5:26
